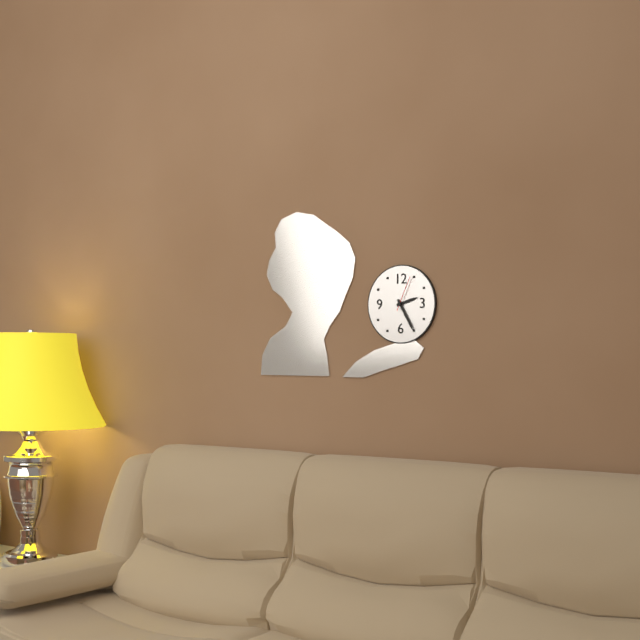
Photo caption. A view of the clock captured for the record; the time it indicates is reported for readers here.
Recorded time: 2:25
